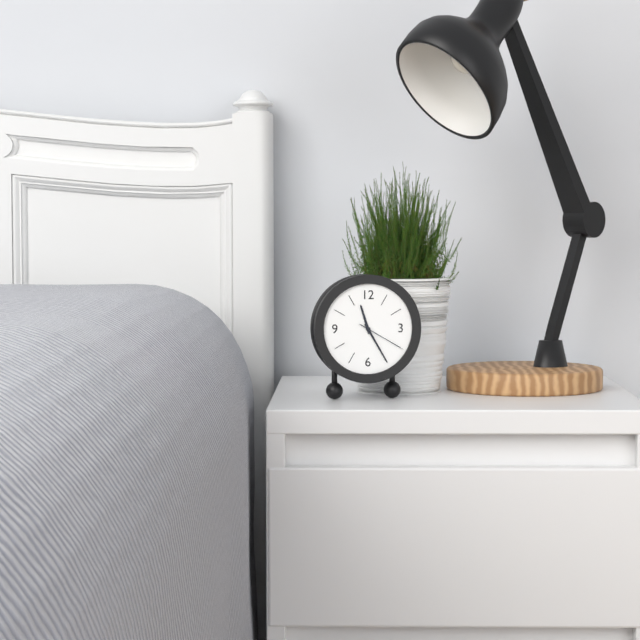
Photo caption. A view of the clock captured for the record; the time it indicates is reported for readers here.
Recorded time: 11:25:20
